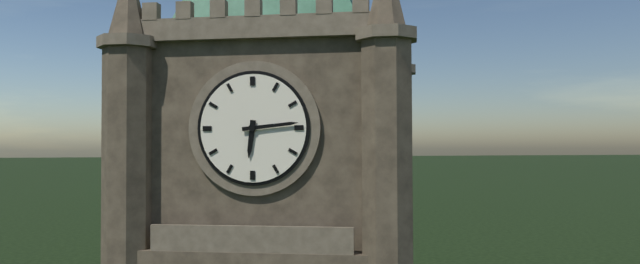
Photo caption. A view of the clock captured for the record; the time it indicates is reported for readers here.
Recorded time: 6:14
